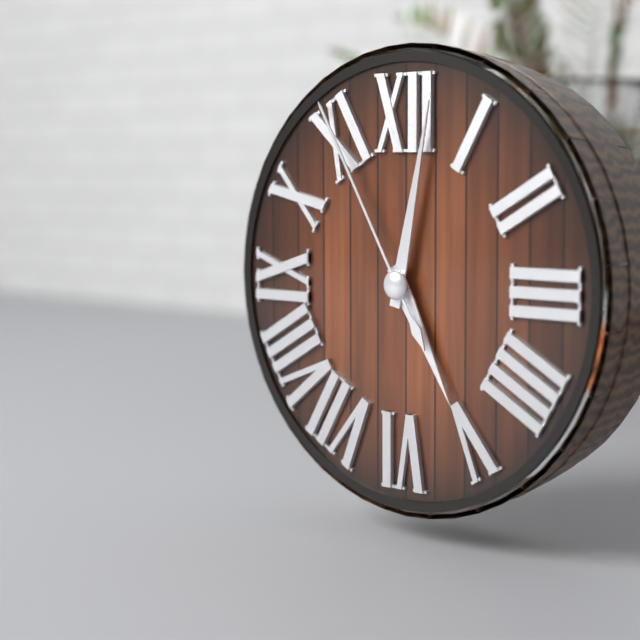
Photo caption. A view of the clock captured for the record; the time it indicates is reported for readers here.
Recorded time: 5:02:55
